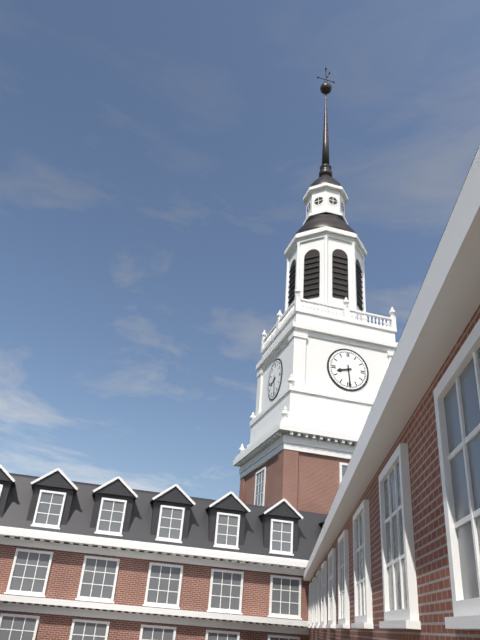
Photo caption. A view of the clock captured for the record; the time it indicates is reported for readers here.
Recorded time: 8:29
